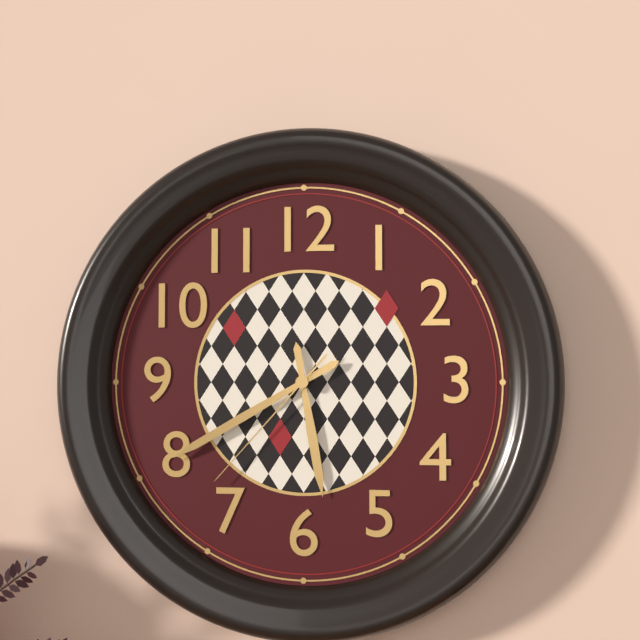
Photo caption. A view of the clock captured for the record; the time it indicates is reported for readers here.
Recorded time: 5:40:37
